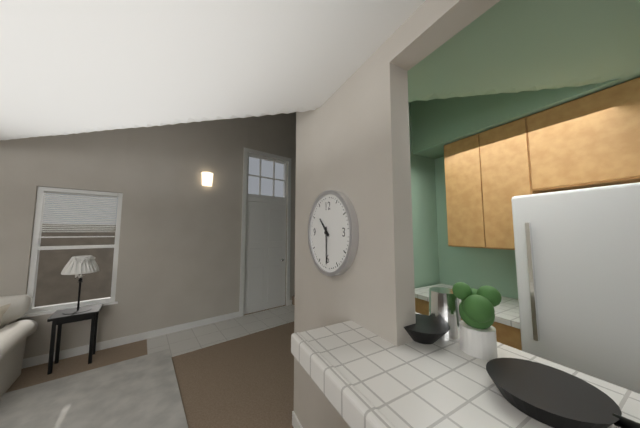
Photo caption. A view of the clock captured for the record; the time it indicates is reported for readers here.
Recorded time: 10:30
